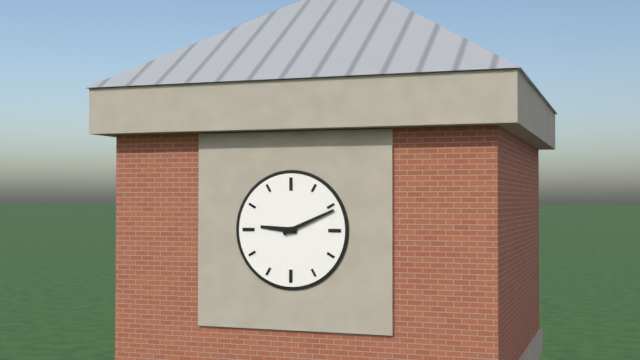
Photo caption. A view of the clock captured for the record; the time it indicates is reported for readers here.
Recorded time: 9:11
